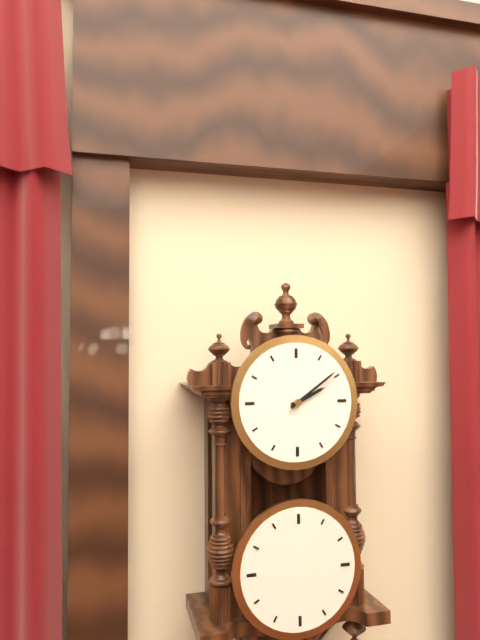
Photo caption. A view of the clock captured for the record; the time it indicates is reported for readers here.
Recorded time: 2:09
